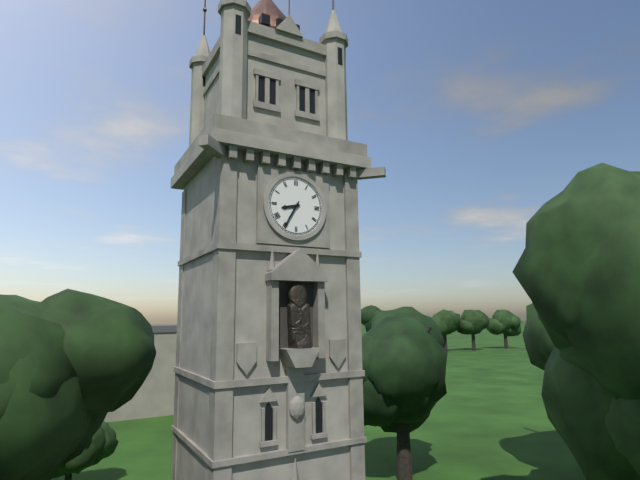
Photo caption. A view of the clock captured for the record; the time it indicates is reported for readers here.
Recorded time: 8:35
